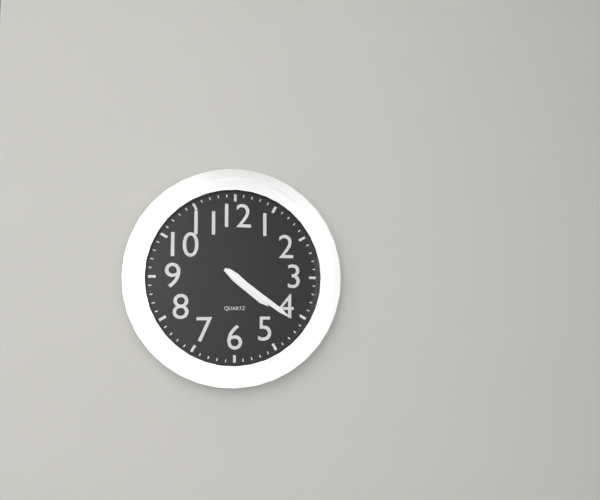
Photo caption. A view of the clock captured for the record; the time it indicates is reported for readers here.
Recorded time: 4:21
